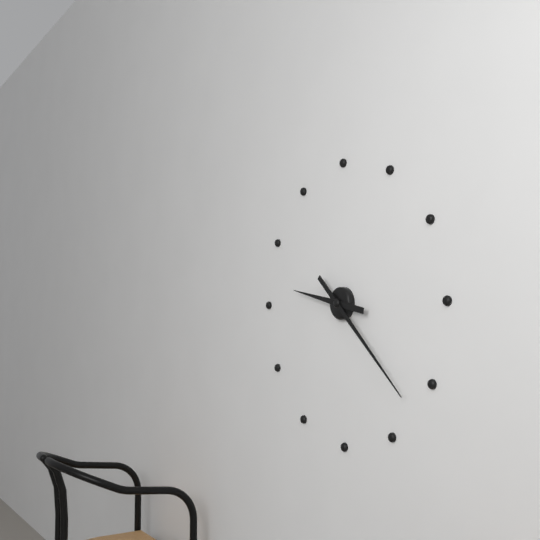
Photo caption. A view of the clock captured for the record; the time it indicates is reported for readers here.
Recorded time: 9:22
